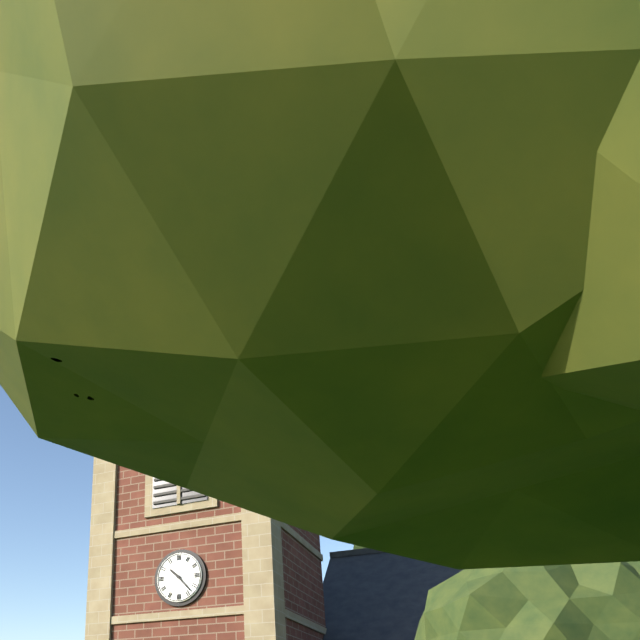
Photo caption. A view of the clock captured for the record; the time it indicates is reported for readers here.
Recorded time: 10:23
